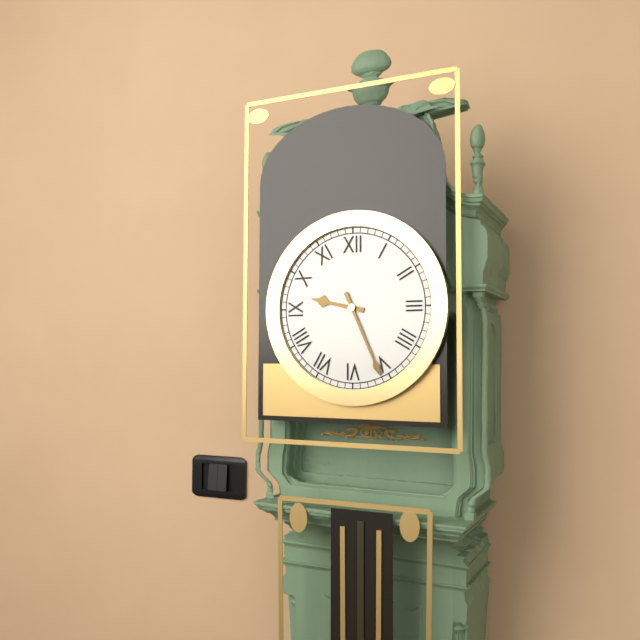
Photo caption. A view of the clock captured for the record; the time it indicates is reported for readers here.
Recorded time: 9:26
